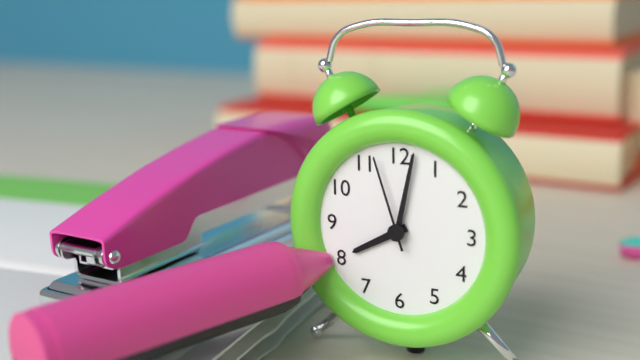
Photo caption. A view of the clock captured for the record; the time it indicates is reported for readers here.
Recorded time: 8:02:57
